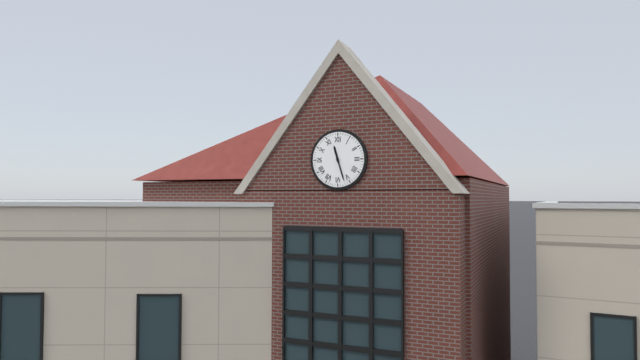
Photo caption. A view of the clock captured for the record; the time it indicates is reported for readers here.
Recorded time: 11:27
